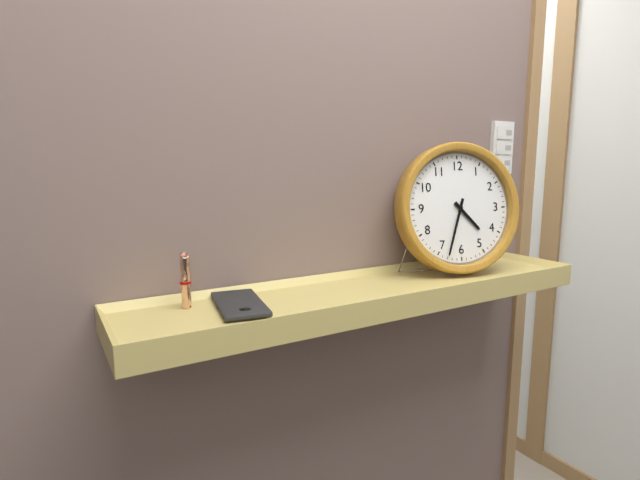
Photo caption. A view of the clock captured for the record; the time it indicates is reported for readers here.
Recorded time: 4:33
